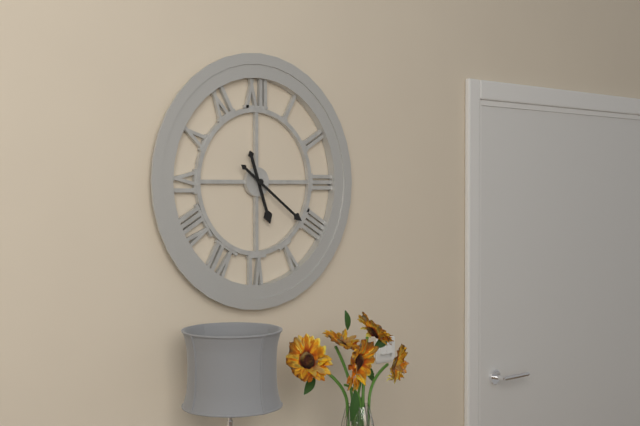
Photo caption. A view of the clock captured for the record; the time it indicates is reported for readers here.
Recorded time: 5:21
